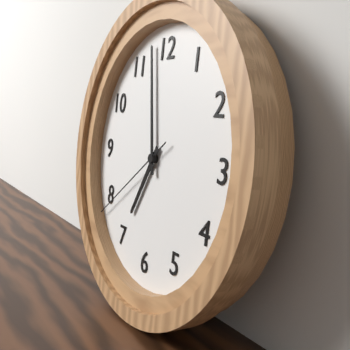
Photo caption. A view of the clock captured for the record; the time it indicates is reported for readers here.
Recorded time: 6:58:39
